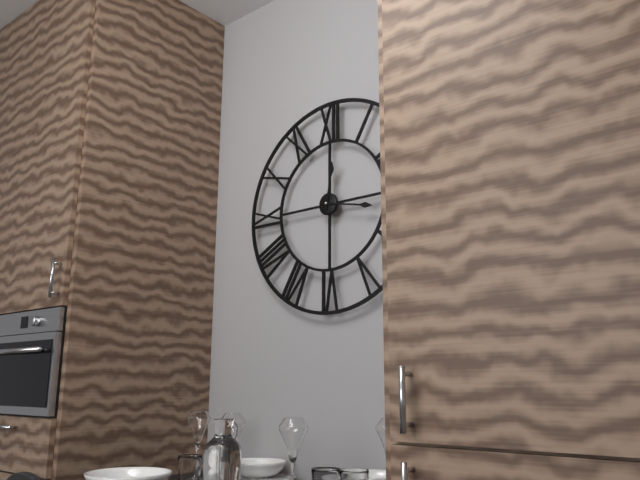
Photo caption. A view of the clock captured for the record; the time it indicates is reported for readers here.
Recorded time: 12:17
